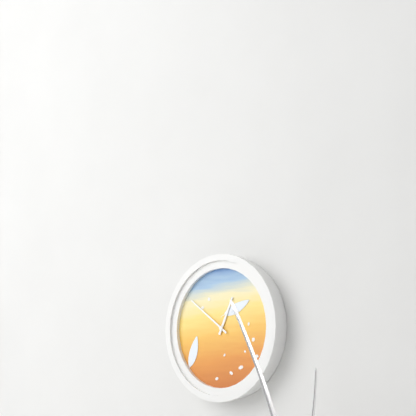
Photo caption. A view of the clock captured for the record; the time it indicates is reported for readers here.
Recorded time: 12:51
